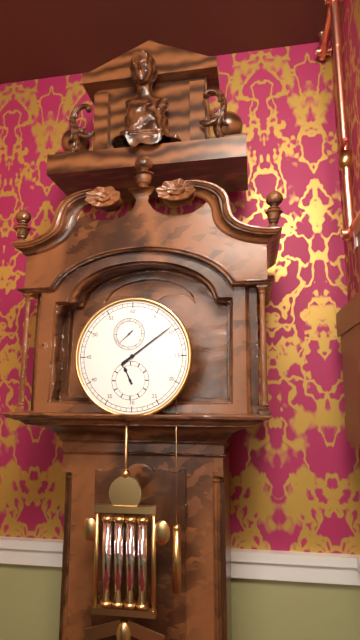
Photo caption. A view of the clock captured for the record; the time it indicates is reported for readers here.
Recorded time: 11:09
